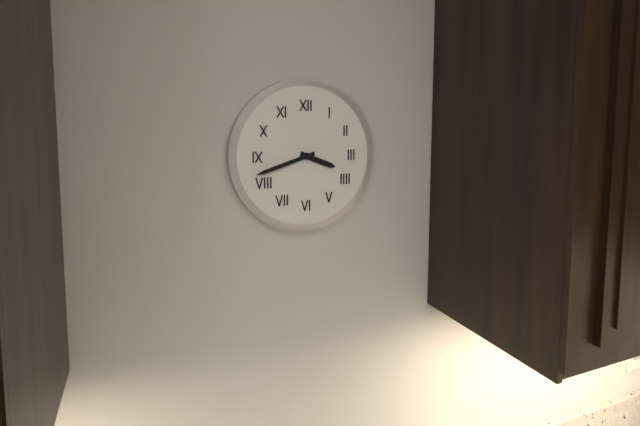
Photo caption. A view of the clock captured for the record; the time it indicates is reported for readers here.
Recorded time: 3:42
